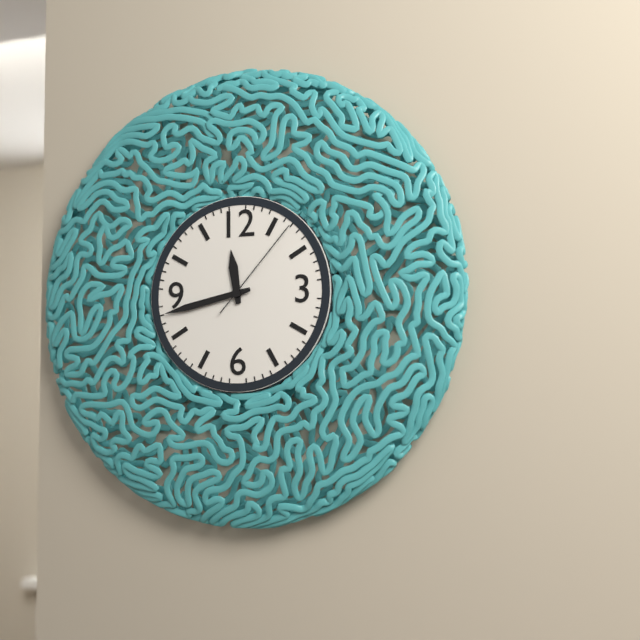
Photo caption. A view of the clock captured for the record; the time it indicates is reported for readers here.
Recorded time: 11:43:07
